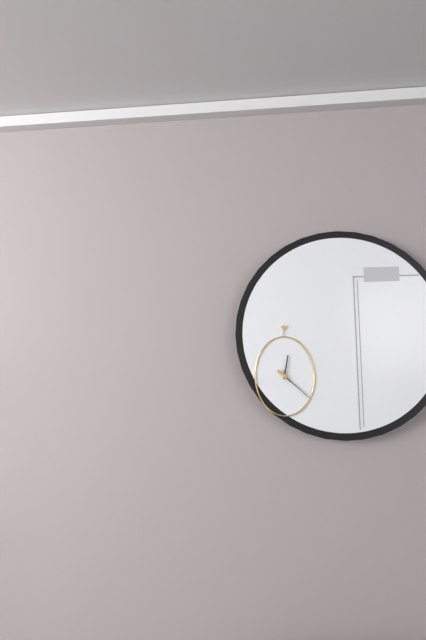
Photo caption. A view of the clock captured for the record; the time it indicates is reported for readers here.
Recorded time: 12:22
